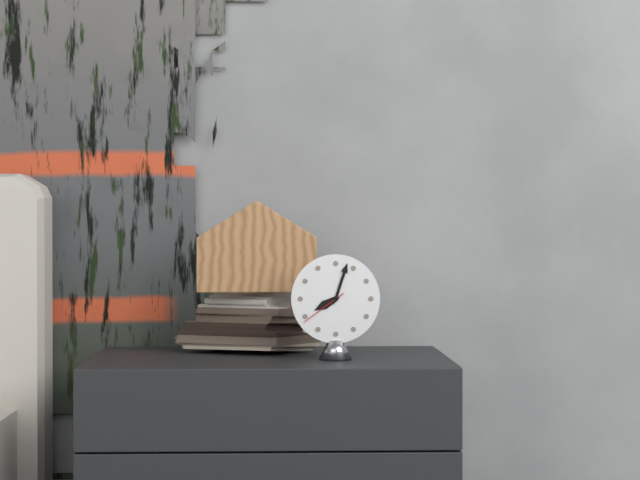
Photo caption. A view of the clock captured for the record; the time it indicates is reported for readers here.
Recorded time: 8:03
